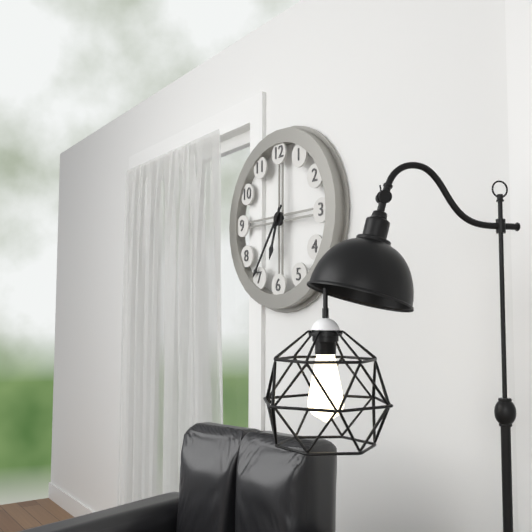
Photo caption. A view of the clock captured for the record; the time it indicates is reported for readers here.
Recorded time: 6:36
